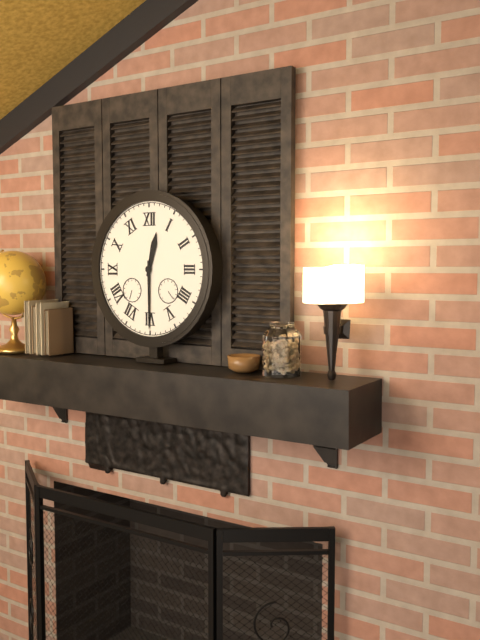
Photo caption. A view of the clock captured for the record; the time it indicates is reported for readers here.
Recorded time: 12:30
